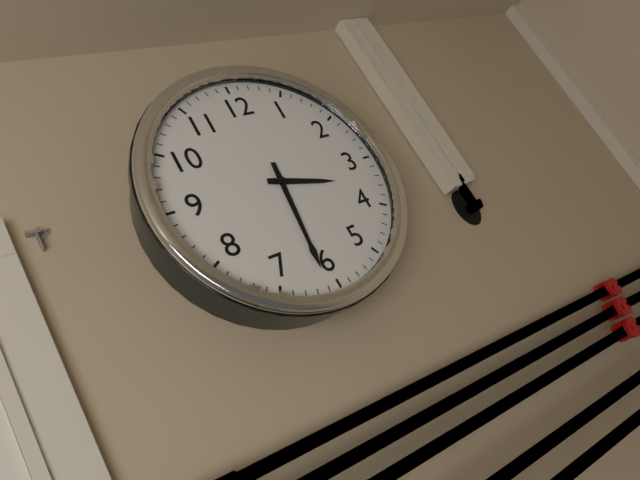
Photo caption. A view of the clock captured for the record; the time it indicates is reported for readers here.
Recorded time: 3:31
